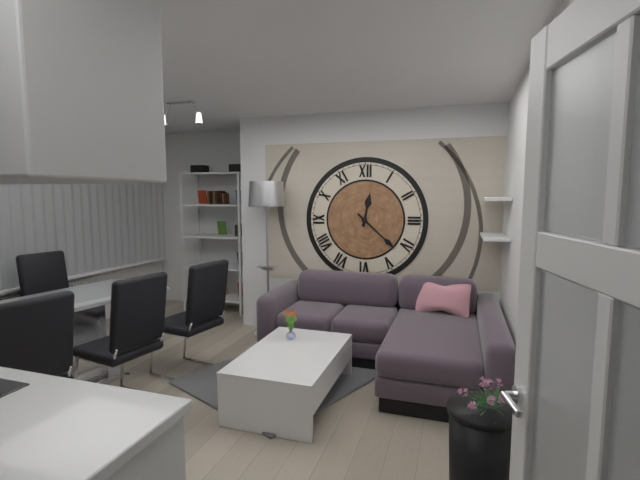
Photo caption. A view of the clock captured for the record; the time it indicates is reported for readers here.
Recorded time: 12:22
